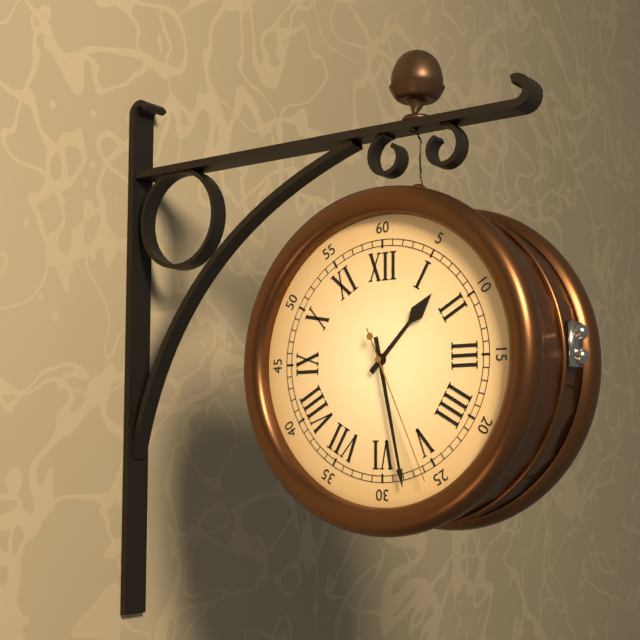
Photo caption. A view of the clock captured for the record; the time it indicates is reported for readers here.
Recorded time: 1:28:26
